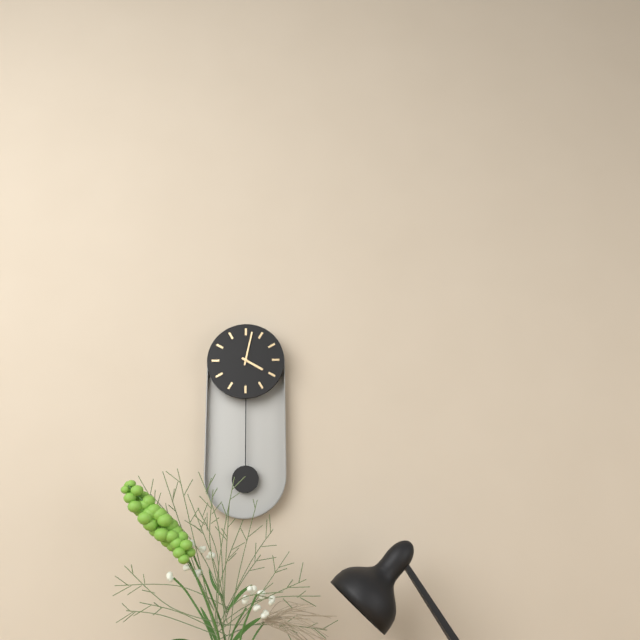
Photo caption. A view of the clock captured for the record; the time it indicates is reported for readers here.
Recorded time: 4:02
